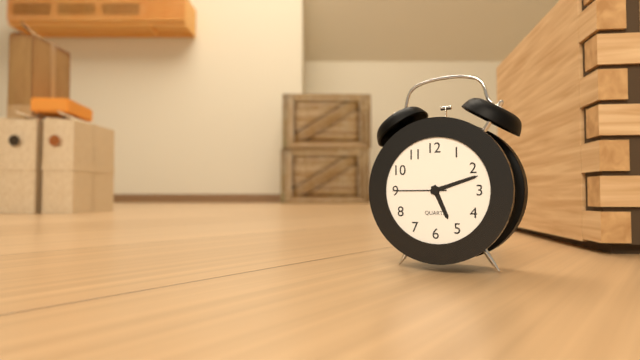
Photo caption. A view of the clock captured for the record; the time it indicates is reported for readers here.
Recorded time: 5:12:45
